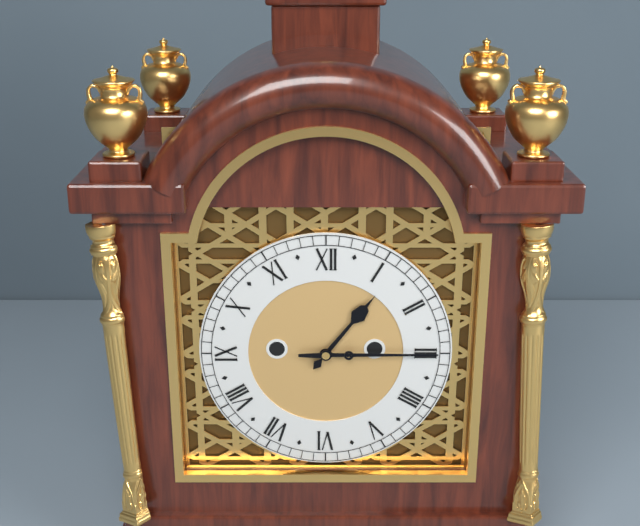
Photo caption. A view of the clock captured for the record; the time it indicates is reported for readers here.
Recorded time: 1:15
